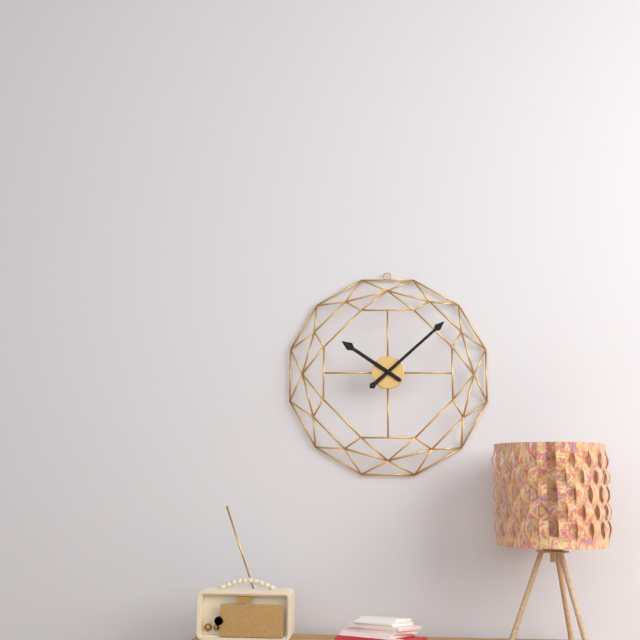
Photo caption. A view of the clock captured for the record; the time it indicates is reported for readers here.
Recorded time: 10:08
